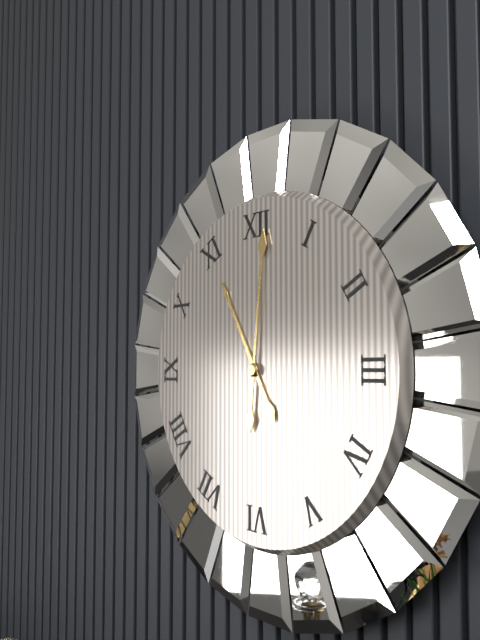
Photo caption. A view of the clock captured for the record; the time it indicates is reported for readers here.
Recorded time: 11:01
